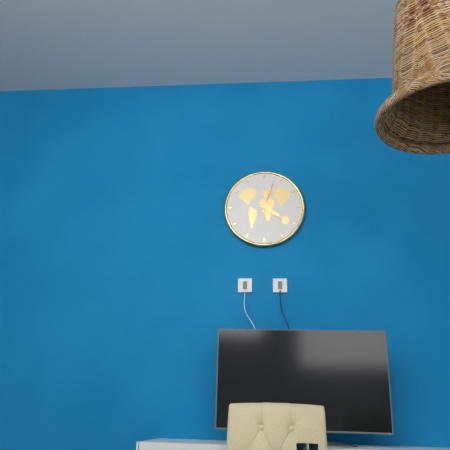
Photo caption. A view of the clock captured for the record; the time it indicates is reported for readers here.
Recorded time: 4:03
